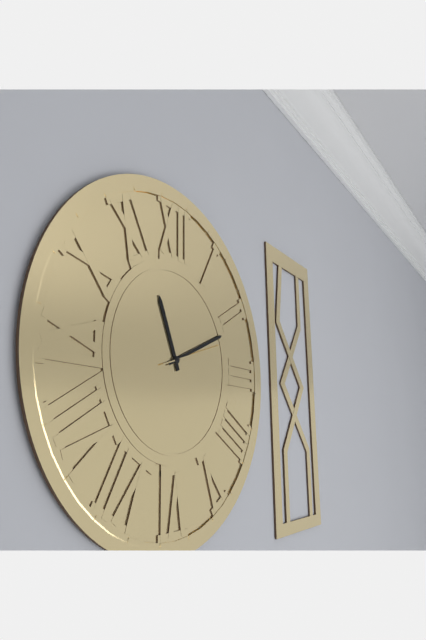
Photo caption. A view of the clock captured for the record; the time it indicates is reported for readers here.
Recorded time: 11:11:12
